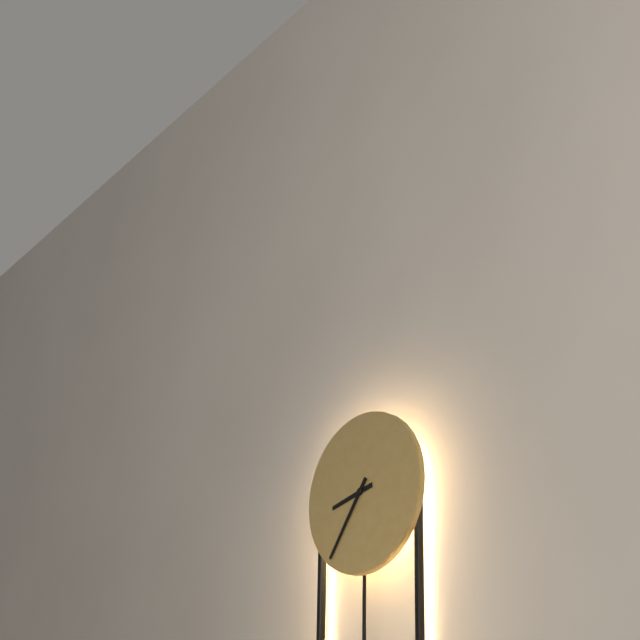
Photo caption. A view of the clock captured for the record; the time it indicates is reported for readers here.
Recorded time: 8:36
